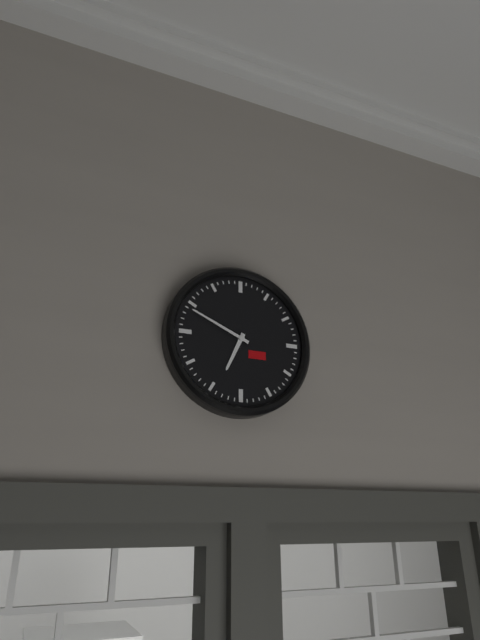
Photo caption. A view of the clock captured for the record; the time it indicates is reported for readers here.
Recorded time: 6:49
